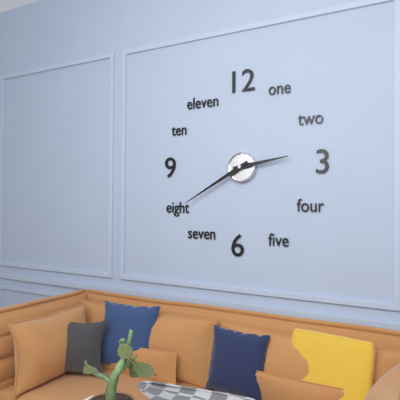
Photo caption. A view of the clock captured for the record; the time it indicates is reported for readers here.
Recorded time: 2:40
